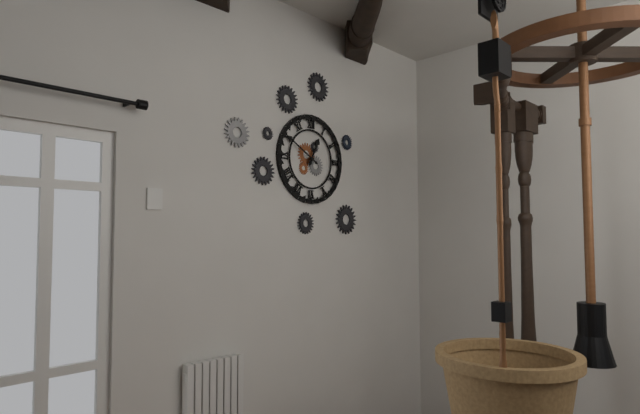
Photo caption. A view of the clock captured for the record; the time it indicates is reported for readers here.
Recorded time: 12:50
